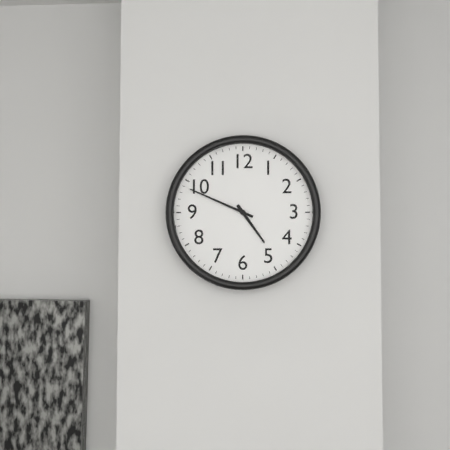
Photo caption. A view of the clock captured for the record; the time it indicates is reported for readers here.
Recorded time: 4:49
